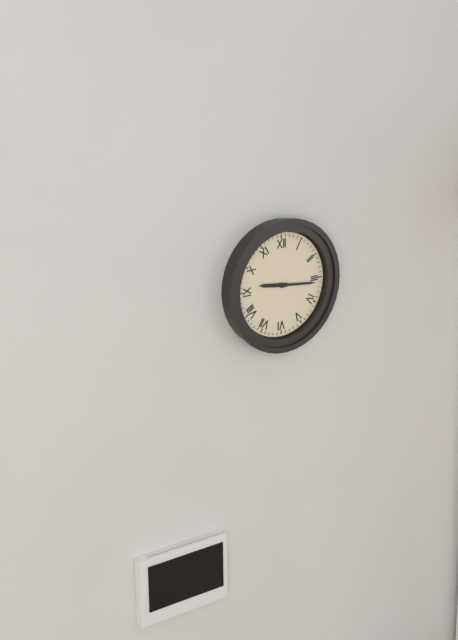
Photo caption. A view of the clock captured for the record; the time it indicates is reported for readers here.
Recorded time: 9:16
